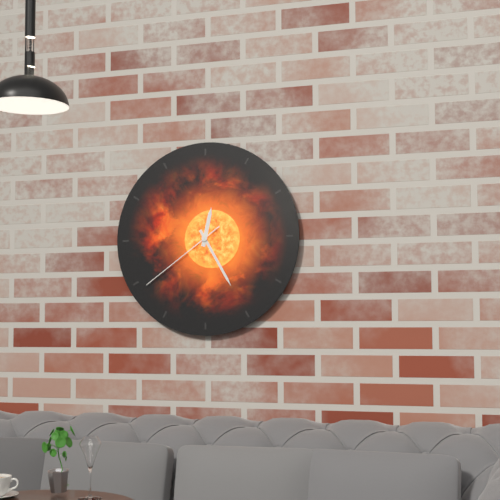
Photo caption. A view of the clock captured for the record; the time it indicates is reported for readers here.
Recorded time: 12:25:39
